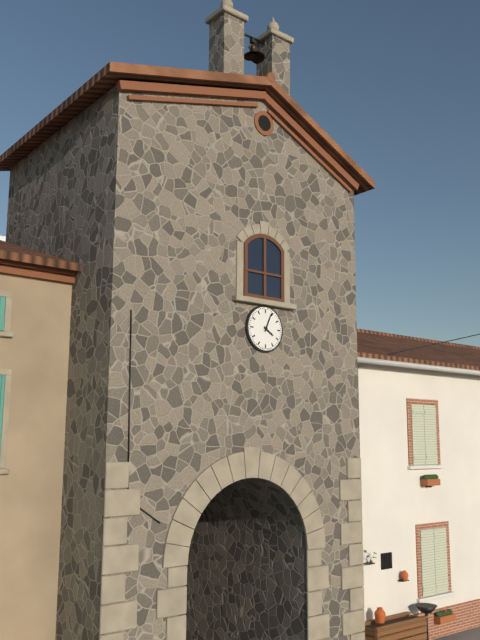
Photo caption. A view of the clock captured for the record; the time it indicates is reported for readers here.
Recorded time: 4:04
